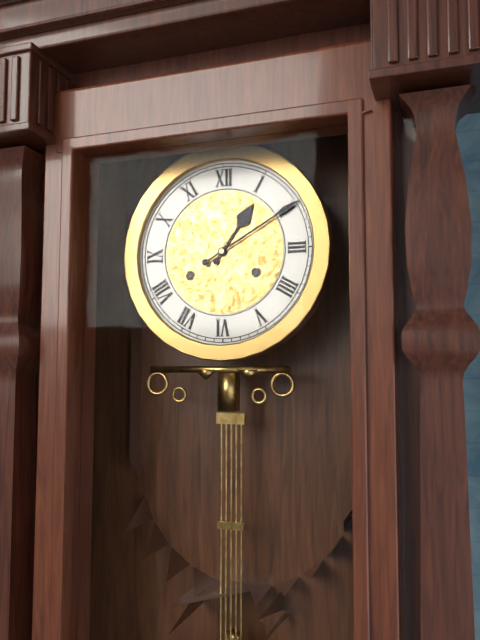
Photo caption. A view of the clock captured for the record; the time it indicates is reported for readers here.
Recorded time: 1:10
